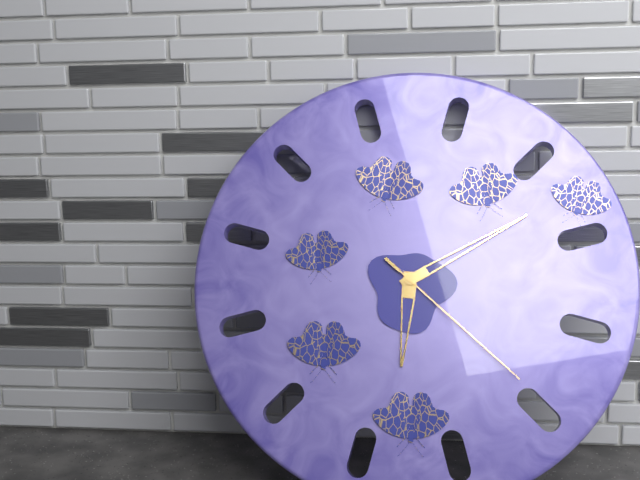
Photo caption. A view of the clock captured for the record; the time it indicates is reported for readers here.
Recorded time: 6:10:22
